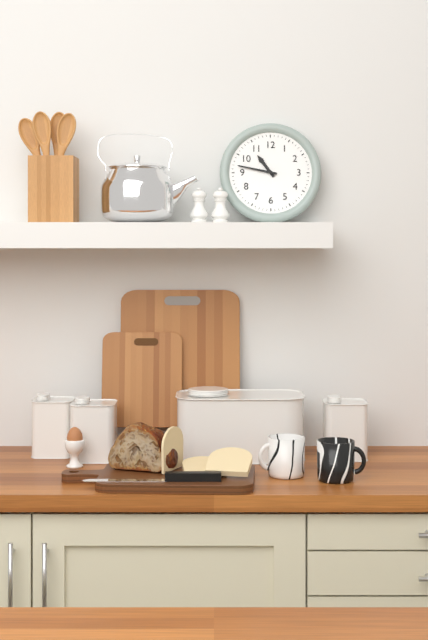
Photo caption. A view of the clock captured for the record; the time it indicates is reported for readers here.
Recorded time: 10:47
